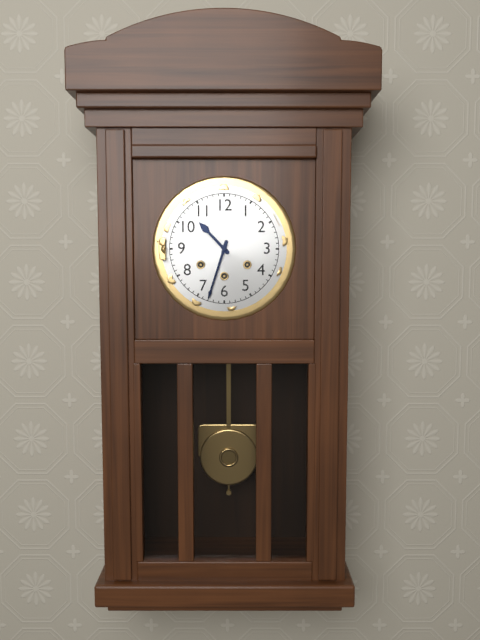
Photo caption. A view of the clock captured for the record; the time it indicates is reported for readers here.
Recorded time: 10:33
